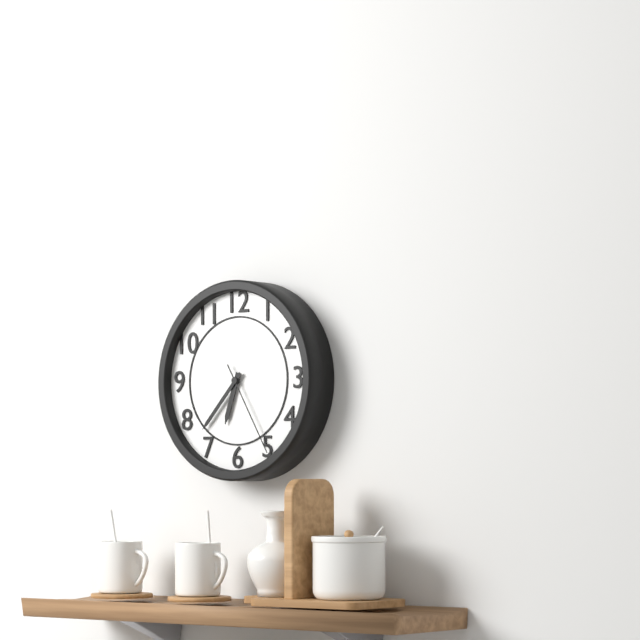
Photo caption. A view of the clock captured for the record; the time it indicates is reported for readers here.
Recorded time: 6:37:25
